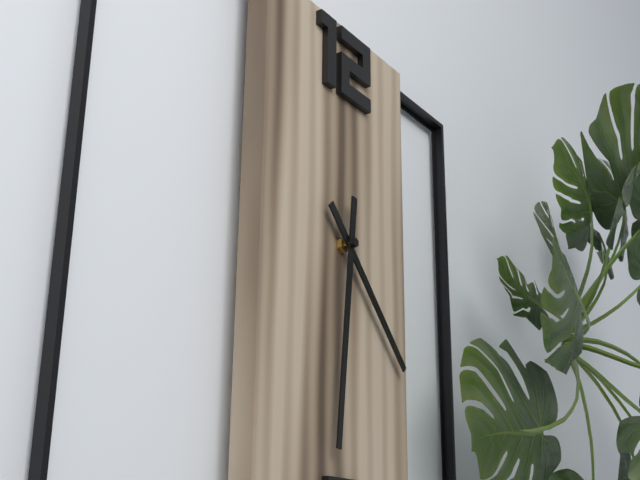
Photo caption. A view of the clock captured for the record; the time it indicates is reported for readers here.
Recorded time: 4:31
